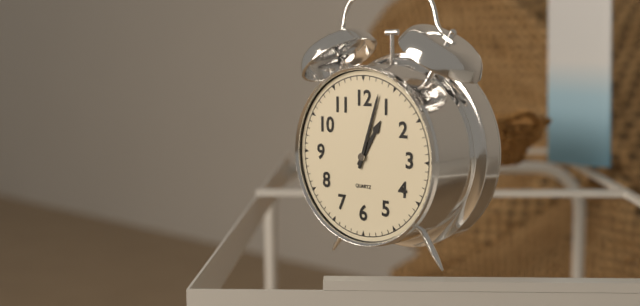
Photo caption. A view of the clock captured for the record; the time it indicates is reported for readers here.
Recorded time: 1:03
